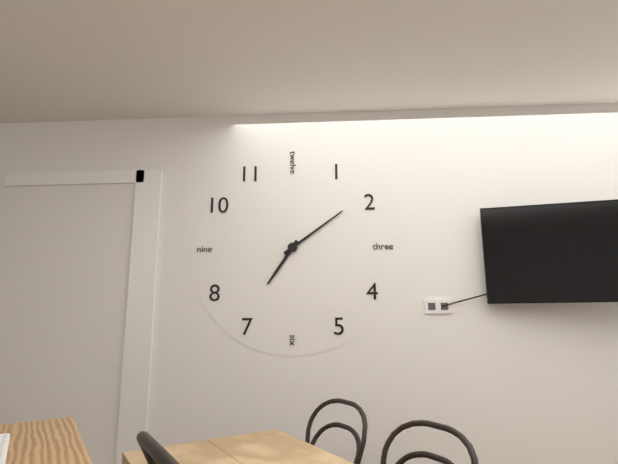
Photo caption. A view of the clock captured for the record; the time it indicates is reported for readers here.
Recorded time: 7:09
